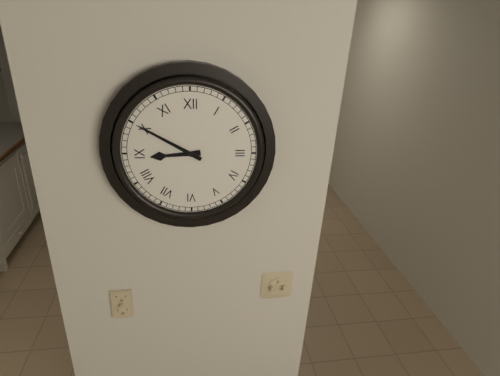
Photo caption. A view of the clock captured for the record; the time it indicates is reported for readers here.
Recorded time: 8:50
